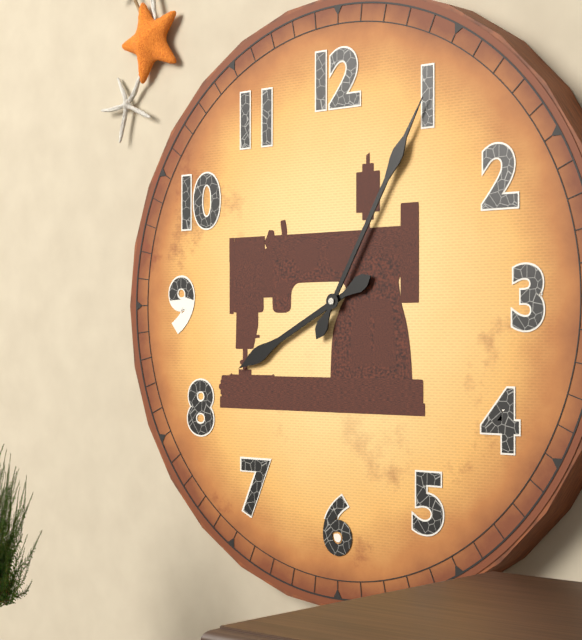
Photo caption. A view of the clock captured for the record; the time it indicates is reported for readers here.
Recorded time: 8:05
